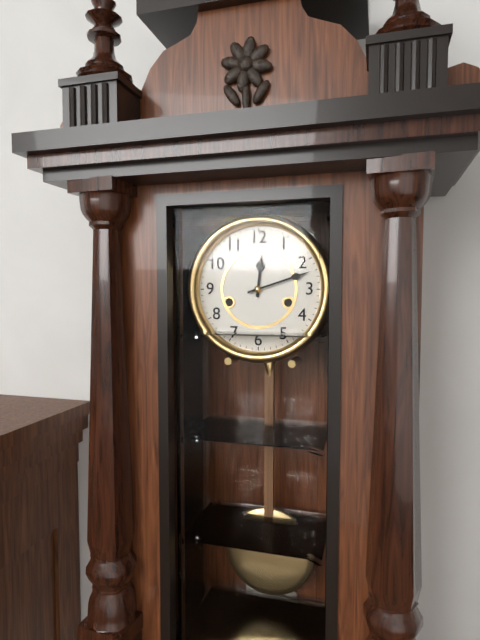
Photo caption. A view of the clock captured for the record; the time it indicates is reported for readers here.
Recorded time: 12:12
